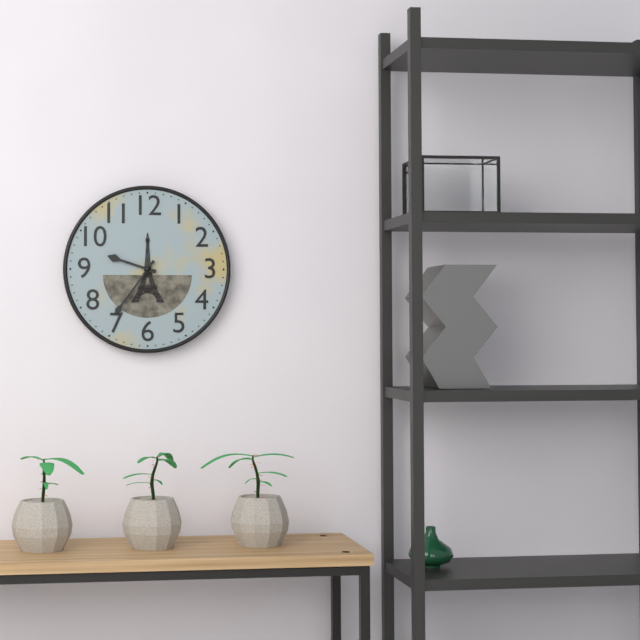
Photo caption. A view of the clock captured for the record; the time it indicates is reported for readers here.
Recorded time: 9:36
